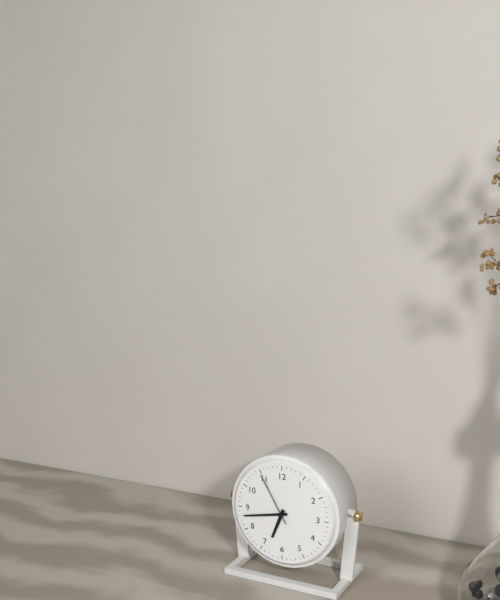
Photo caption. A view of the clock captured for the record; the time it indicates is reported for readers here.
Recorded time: 6:43:55
